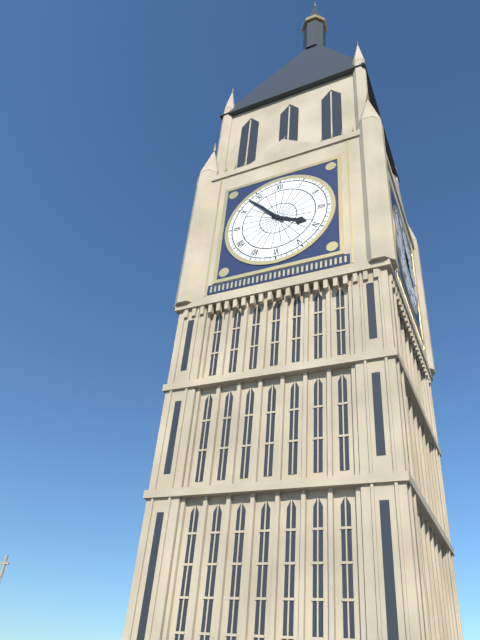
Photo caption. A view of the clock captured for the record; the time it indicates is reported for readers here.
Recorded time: 3:53
